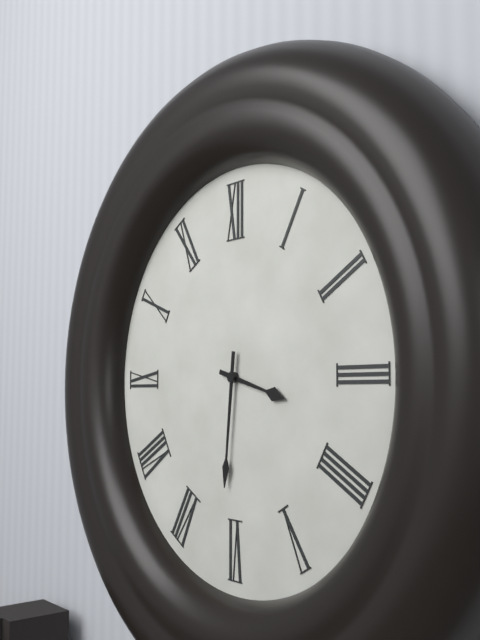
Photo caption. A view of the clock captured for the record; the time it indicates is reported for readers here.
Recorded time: 3:31
